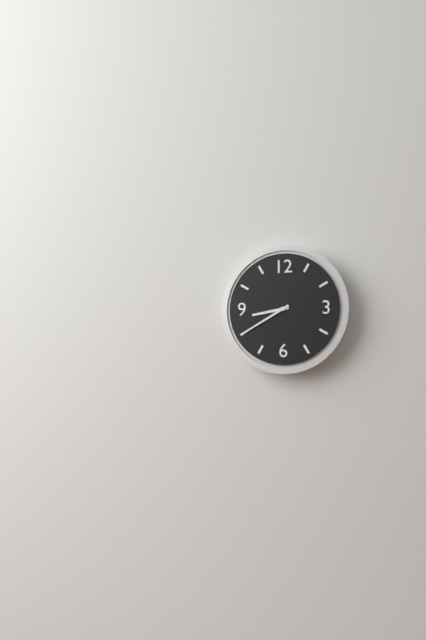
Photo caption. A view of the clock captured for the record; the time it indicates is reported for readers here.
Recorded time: 8:40
